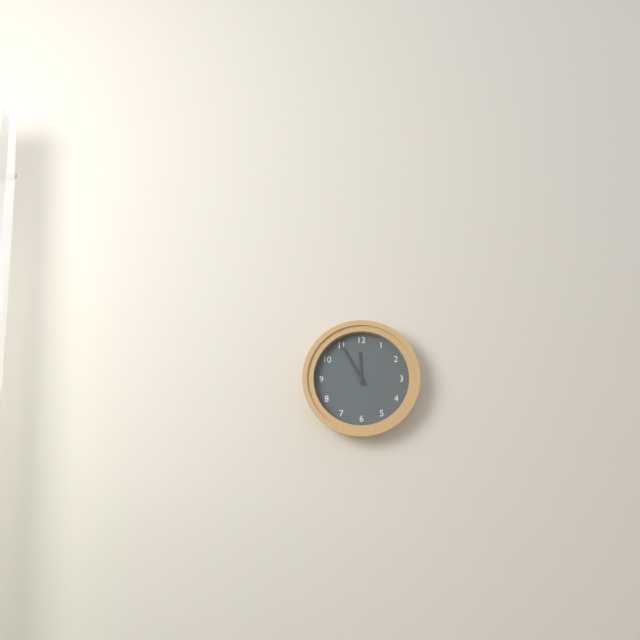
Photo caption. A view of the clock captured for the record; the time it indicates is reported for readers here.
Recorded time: 11:55
